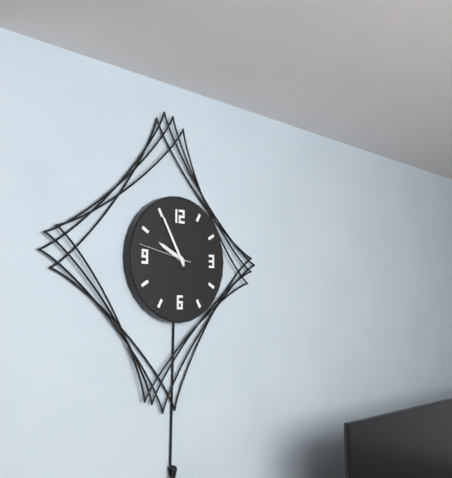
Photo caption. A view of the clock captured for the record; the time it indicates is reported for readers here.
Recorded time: 9:55:47
